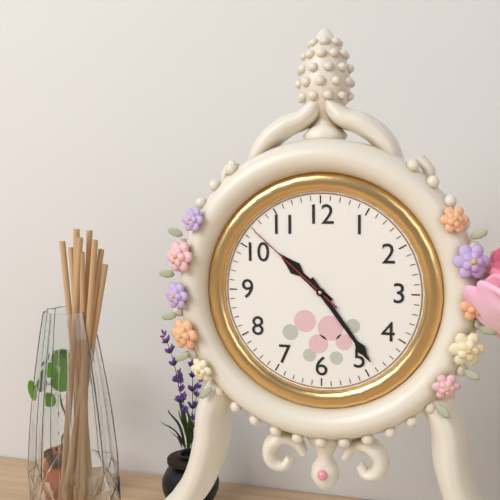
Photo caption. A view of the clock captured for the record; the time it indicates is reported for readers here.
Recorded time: 10:24:52
